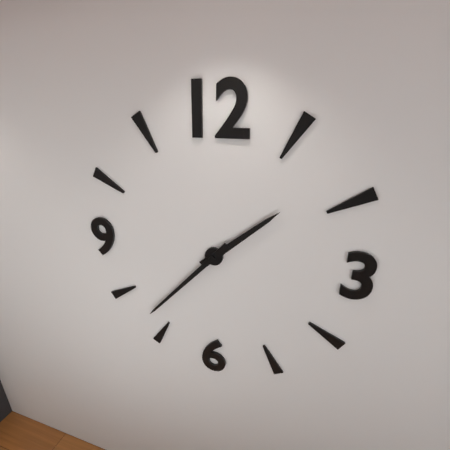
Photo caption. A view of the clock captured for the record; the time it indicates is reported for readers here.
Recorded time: 1:37
